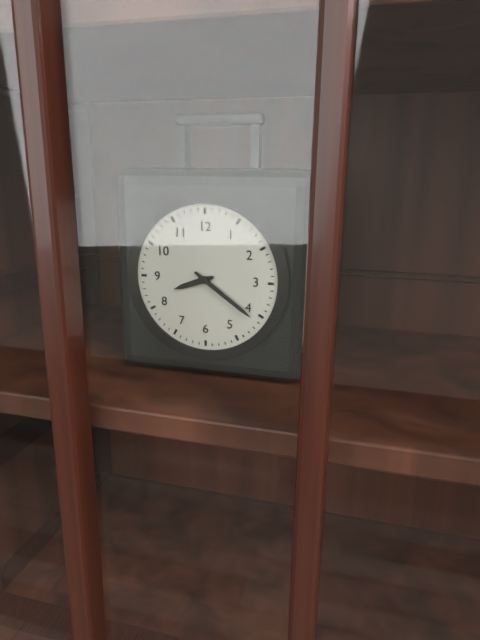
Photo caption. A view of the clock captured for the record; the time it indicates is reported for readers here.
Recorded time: 8:21
